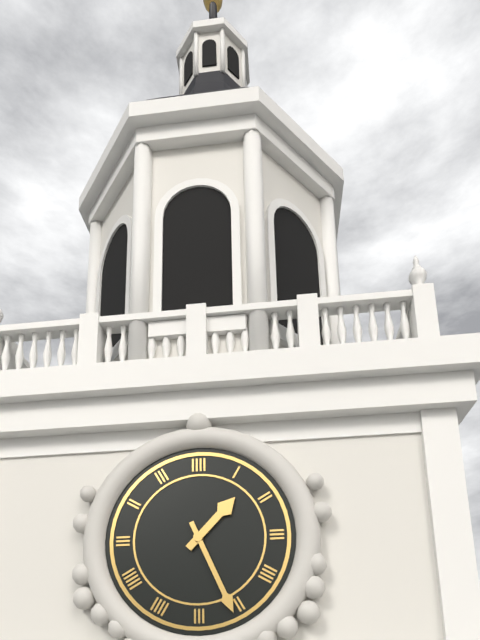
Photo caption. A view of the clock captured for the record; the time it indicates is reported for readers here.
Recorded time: 1:26
